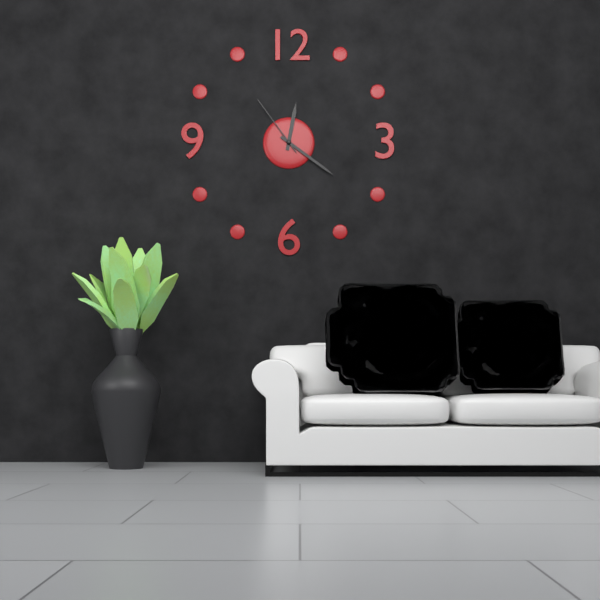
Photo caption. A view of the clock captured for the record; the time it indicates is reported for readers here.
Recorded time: 12:21:54
